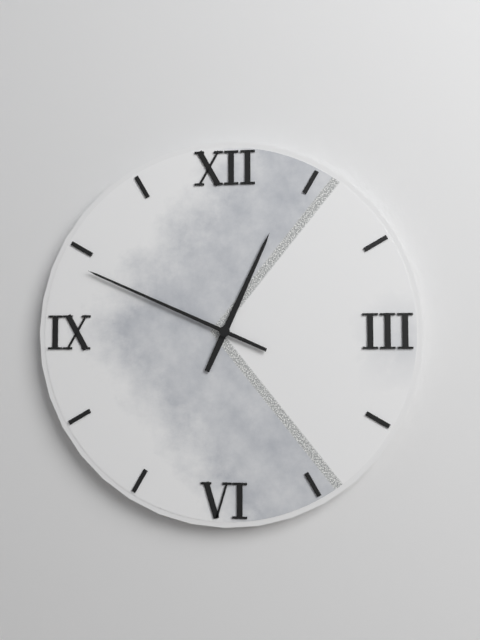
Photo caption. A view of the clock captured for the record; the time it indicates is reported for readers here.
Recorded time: 12:49
